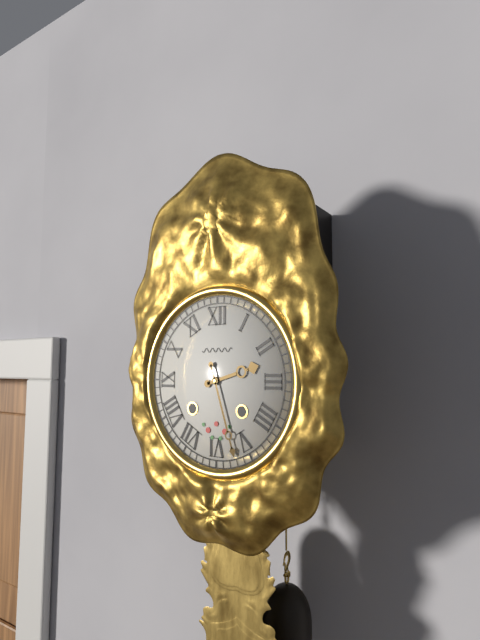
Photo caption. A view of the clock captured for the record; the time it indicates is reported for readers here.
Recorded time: 2:27
